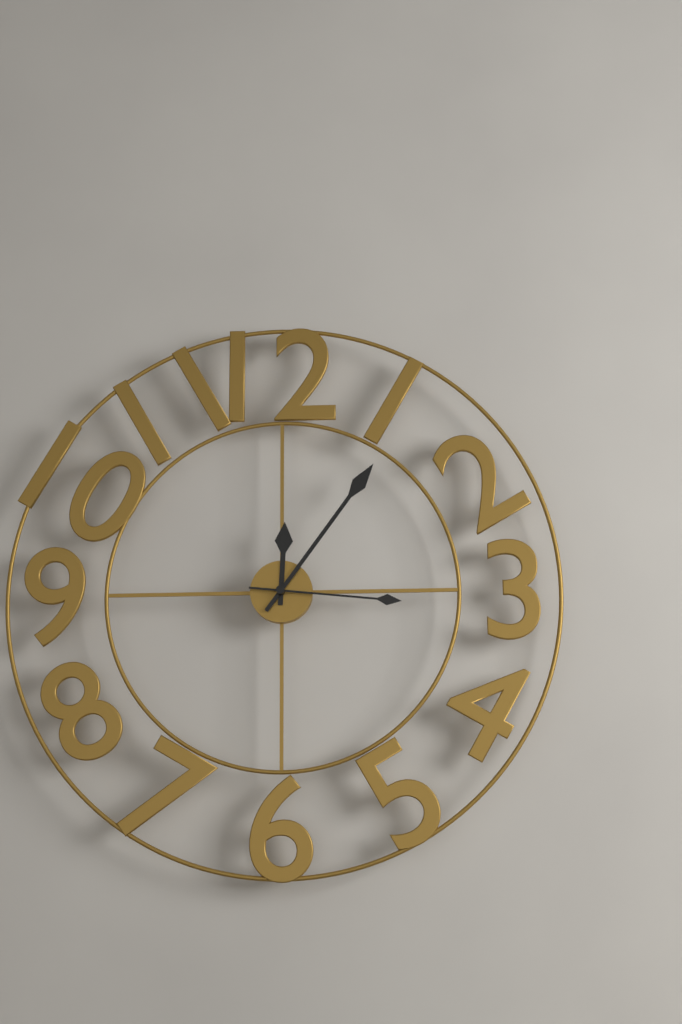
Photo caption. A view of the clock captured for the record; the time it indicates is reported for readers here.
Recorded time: 12:06:16
